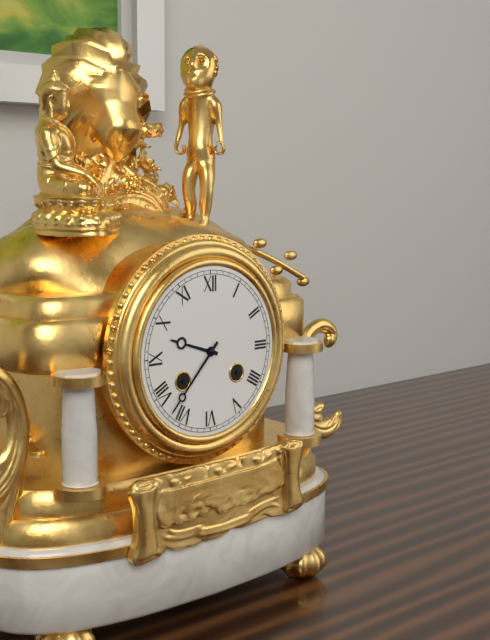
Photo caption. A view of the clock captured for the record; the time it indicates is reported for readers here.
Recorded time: 9:37
